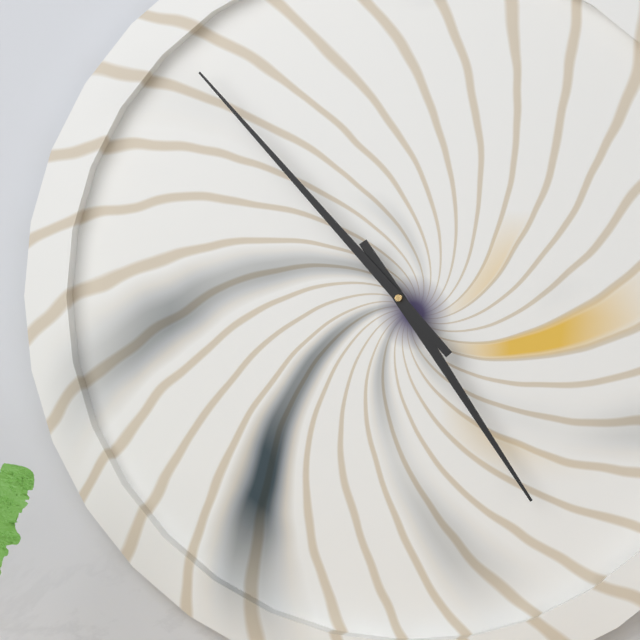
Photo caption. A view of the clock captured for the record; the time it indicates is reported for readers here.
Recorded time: 4:53
